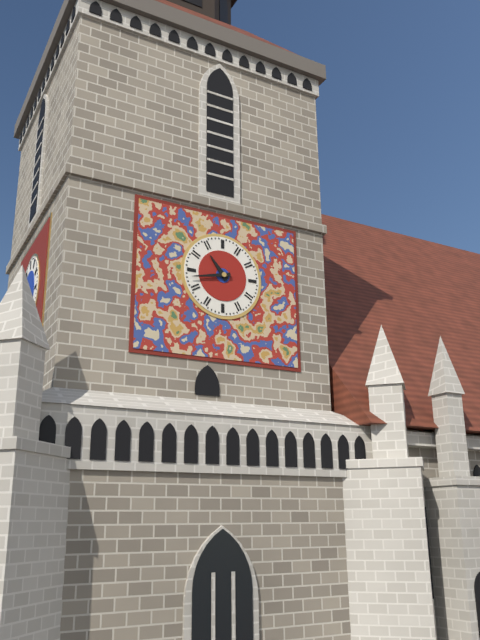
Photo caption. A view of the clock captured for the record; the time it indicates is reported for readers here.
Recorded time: 10:43
